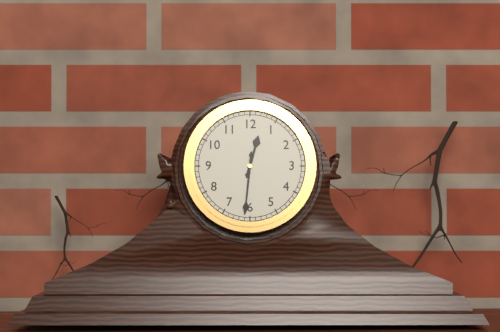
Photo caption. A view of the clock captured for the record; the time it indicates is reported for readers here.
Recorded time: 12:31
